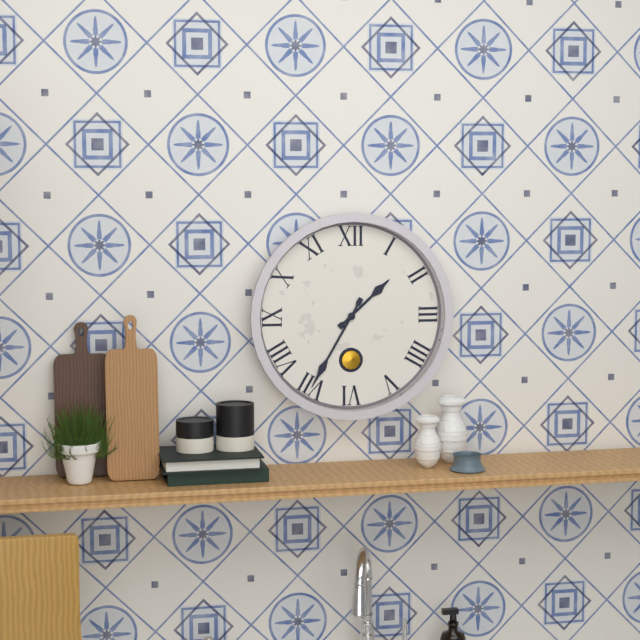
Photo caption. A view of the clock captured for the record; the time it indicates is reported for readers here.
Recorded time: 1:35
